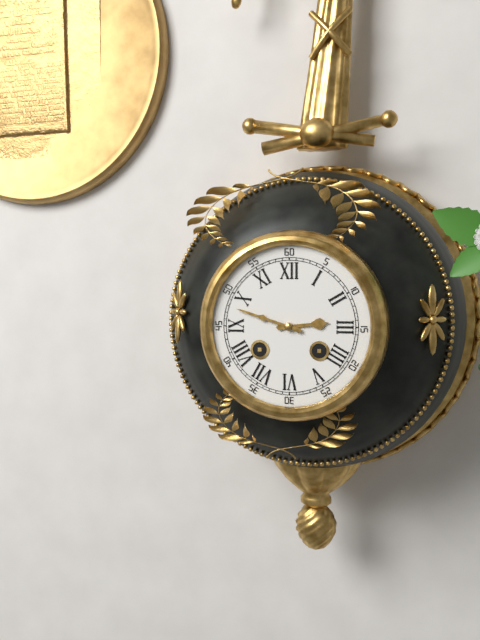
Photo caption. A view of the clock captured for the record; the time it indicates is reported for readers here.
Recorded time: 2:48
